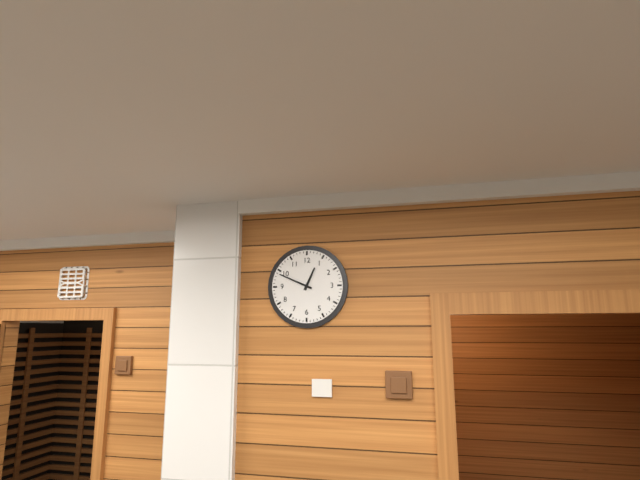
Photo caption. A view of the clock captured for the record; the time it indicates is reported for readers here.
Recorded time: 12:49
